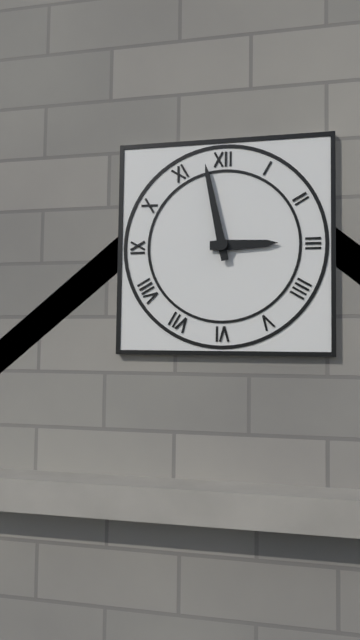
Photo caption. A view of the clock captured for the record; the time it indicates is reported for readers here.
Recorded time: 2:58
